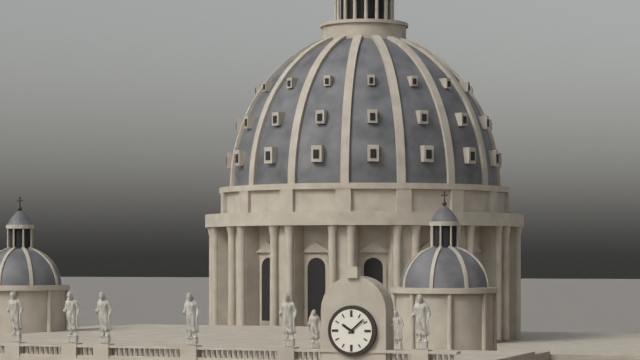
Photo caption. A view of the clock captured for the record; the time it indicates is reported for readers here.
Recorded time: 10:08
